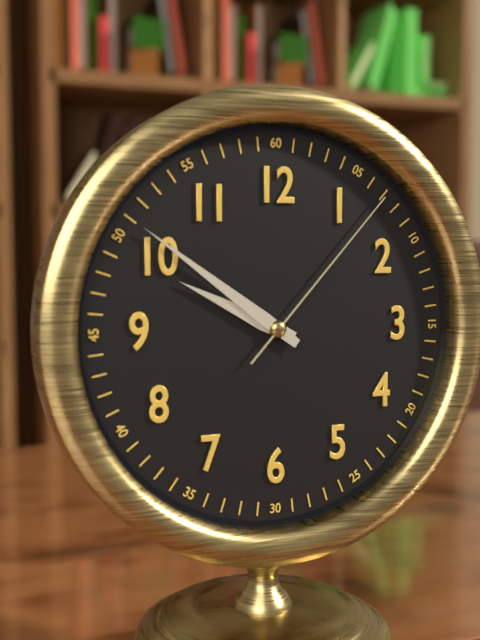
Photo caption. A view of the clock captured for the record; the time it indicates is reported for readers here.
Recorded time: 9:51:07
